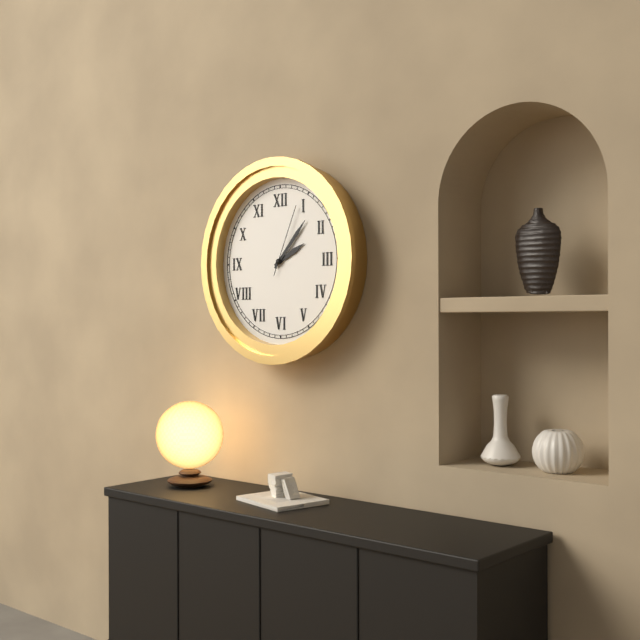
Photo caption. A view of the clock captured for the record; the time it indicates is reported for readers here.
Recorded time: 2:07:04
